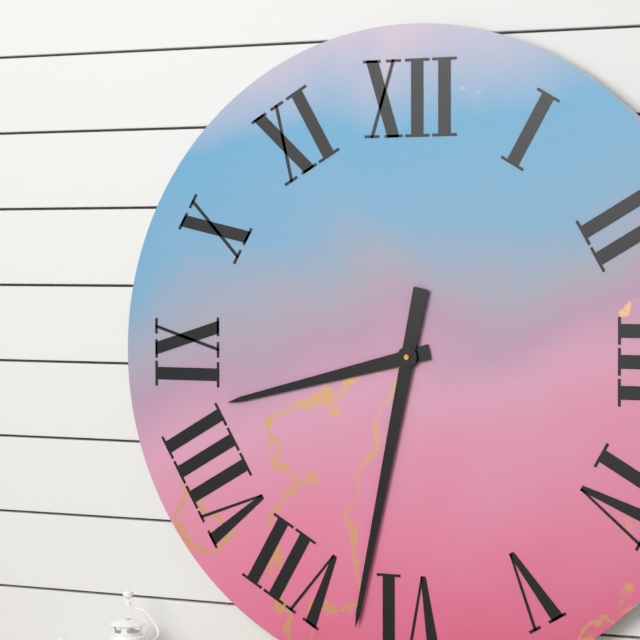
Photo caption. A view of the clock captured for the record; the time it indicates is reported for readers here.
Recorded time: 8:32
